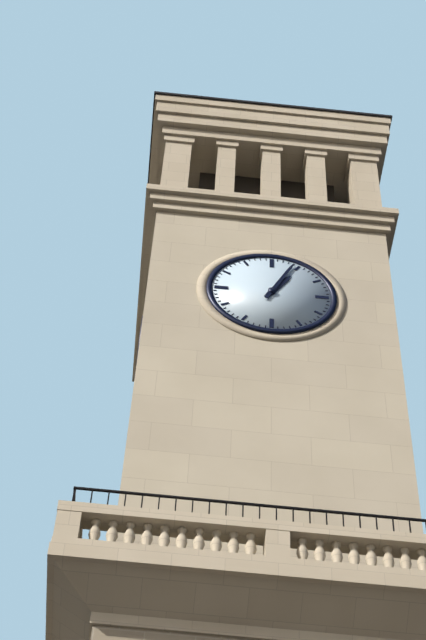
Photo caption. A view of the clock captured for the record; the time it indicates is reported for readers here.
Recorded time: 1:04
